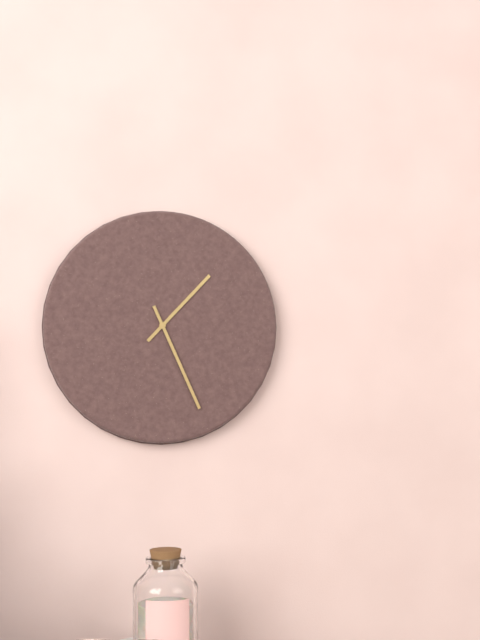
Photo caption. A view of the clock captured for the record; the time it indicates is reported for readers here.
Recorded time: 1:26
